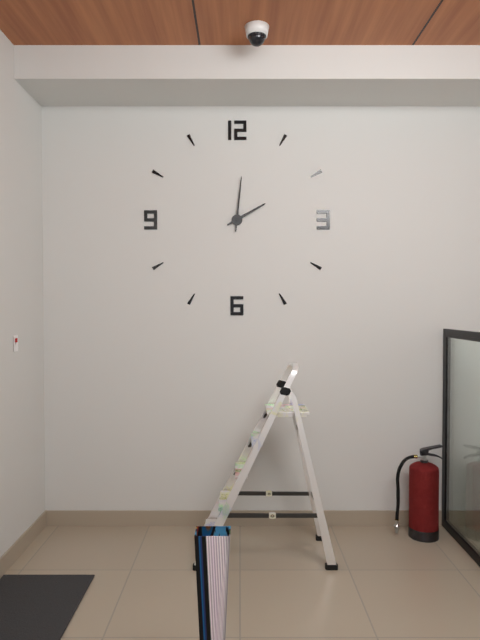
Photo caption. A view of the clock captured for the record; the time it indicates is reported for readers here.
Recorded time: 2:01
